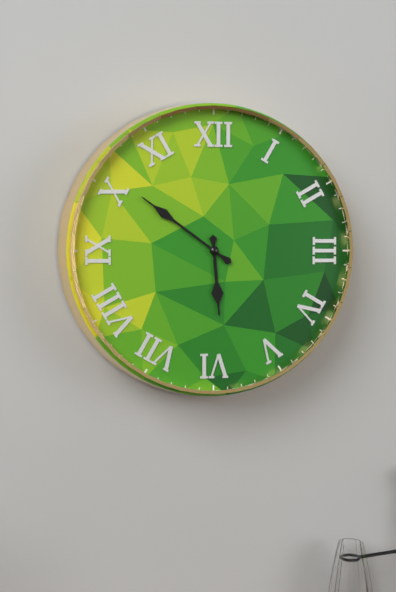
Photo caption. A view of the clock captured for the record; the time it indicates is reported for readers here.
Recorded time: 5:51
